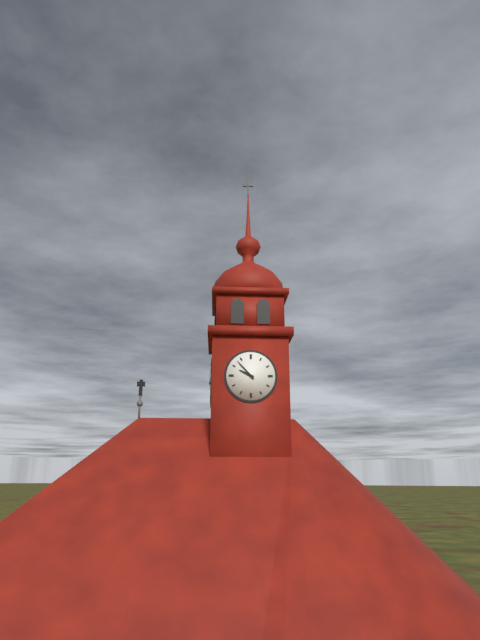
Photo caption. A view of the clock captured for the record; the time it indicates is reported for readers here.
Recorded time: 9:53
